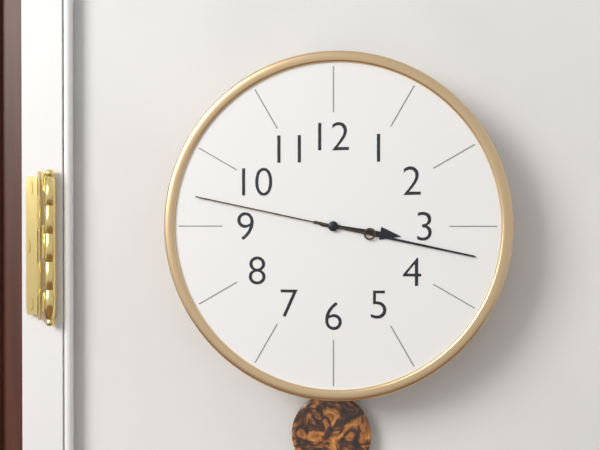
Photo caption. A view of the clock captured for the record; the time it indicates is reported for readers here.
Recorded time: 3:17:47
